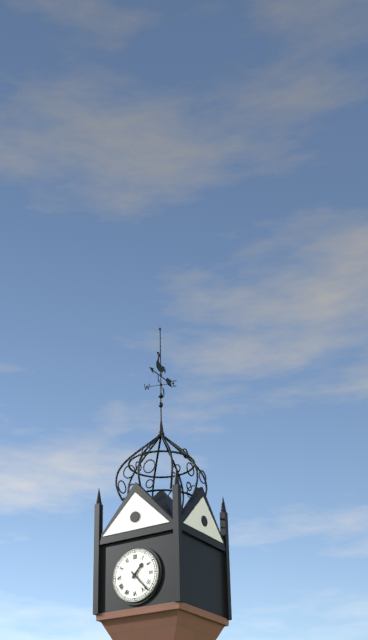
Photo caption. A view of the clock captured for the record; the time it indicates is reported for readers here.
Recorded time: 1:23
